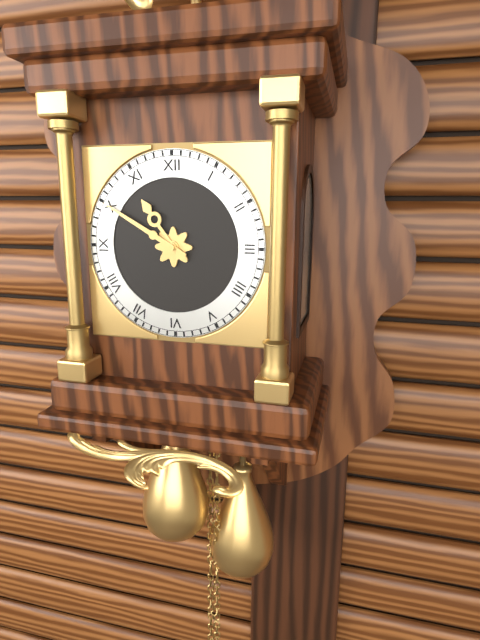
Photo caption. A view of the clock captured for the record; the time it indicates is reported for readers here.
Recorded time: 10:50
